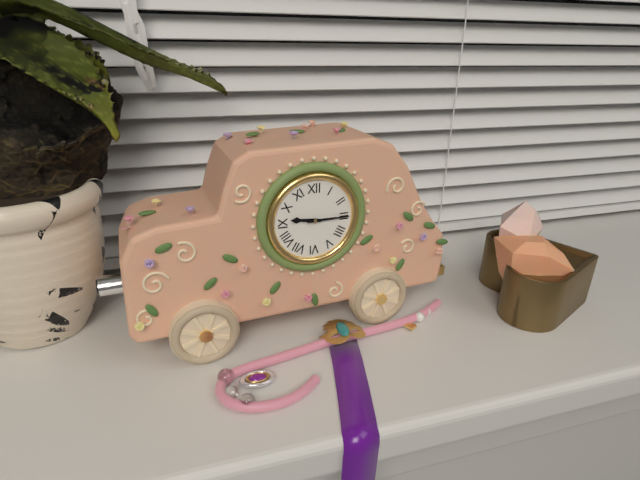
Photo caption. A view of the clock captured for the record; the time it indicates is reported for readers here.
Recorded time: 9:15
